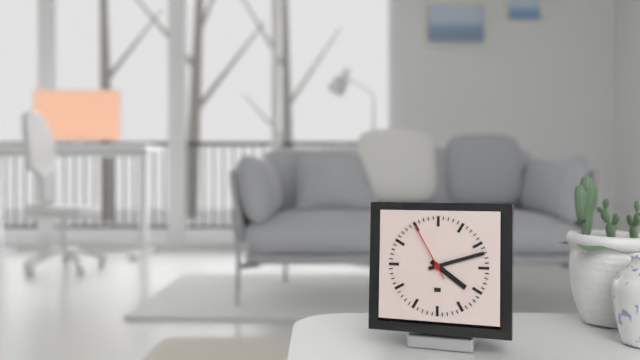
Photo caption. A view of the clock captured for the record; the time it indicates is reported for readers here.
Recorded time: 4:12:55
